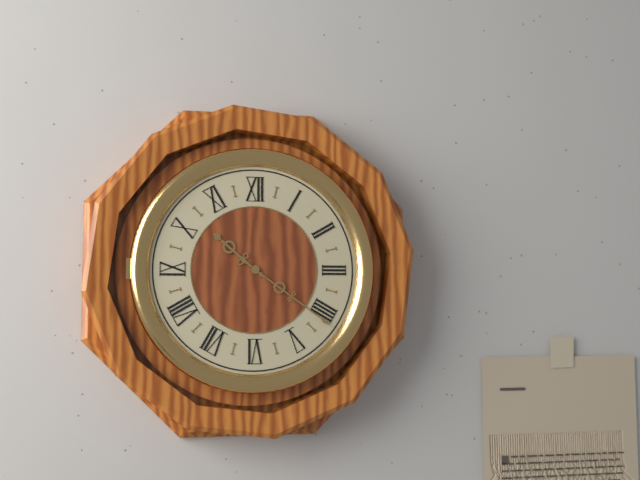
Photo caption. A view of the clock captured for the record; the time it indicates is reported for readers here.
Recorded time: 10:21
